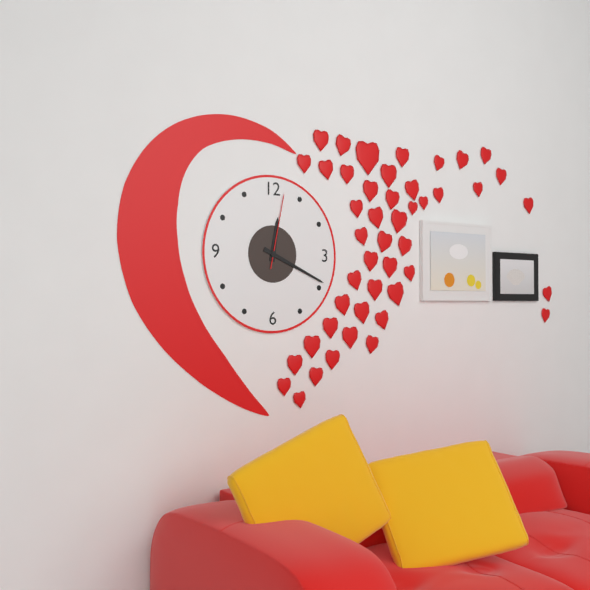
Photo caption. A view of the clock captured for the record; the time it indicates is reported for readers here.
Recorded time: 12:19:02
